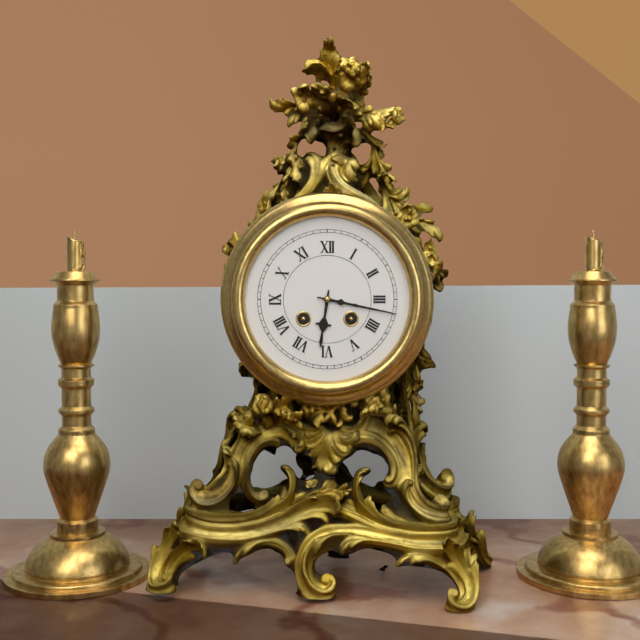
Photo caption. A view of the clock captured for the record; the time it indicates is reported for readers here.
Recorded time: 6:17
